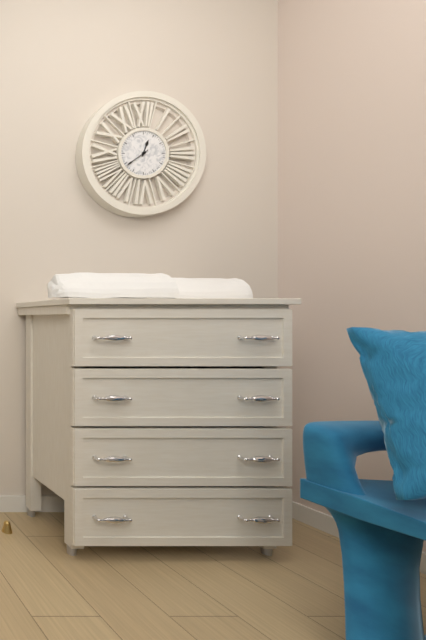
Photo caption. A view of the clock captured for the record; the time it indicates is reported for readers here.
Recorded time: 12:39
